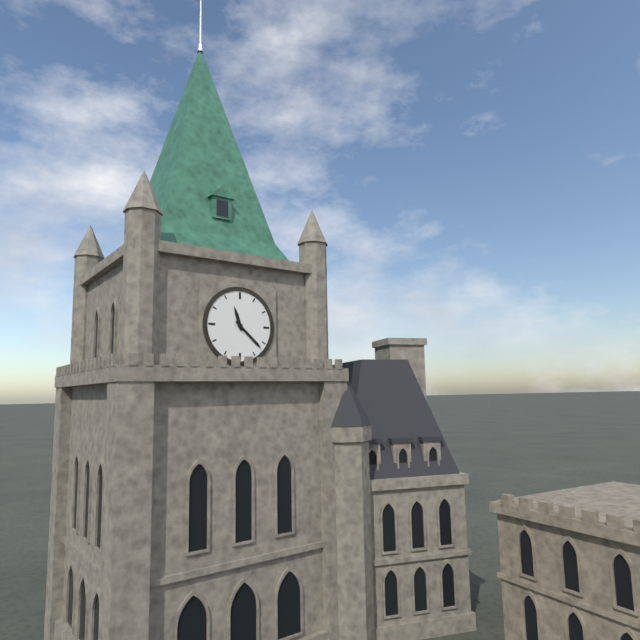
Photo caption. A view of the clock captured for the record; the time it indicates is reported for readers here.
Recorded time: 11:22
